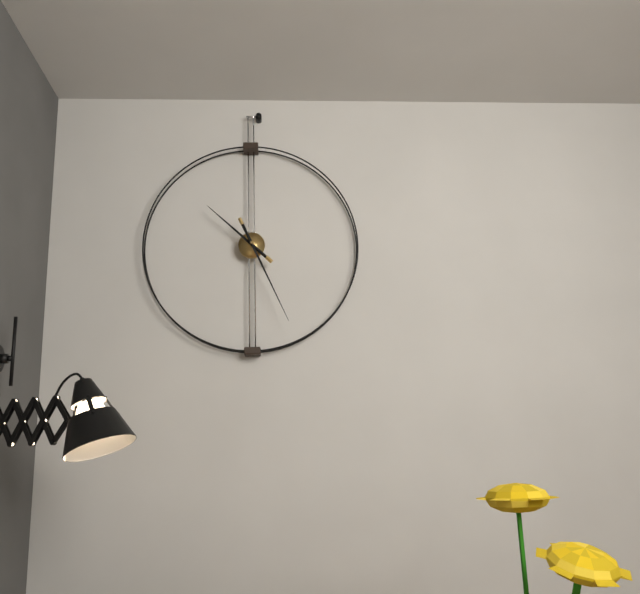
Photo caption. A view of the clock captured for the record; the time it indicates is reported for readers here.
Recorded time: 10:26
